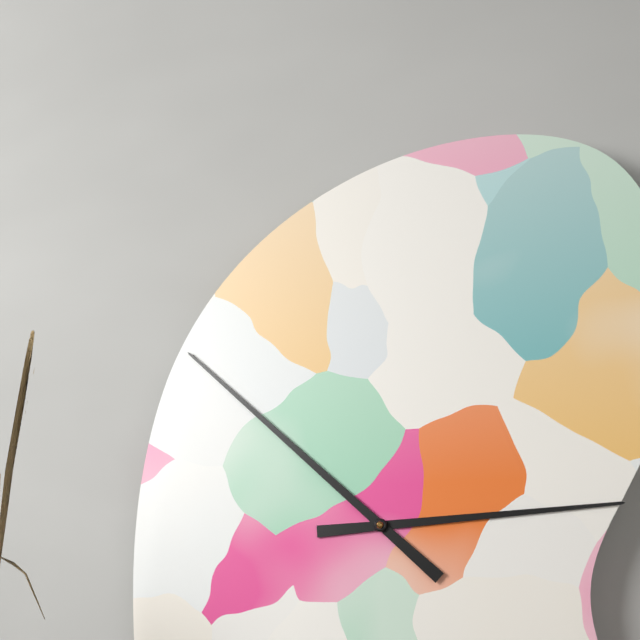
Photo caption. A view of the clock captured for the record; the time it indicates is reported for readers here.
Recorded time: 2:52
